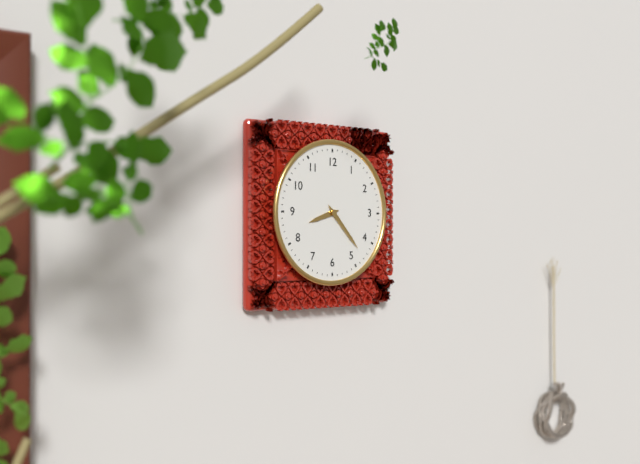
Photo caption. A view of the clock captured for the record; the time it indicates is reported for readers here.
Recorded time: 8:23
